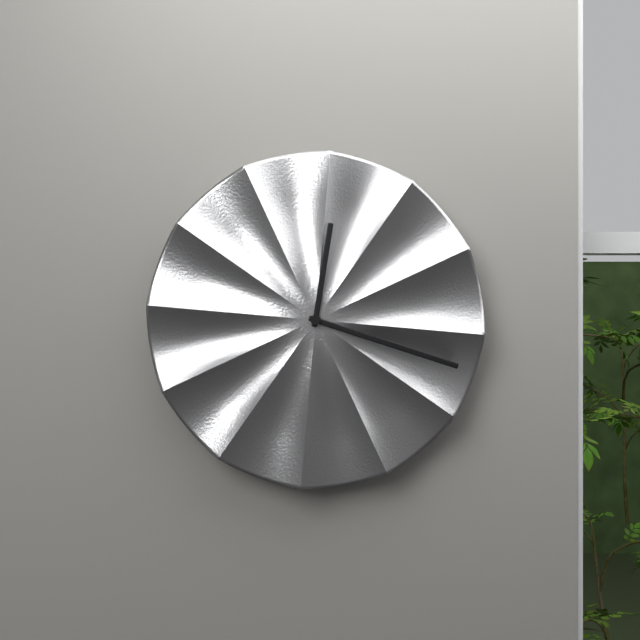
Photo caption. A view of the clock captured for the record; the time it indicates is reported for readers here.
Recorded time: 12:18
